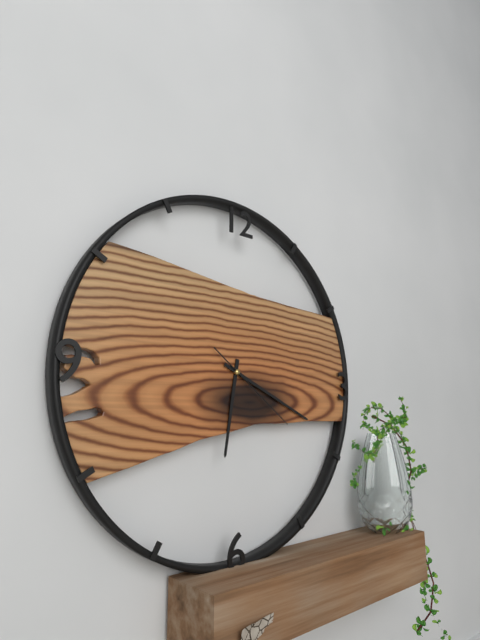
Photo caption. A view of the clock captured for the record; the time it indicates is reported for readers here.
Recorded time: 6:19:21
